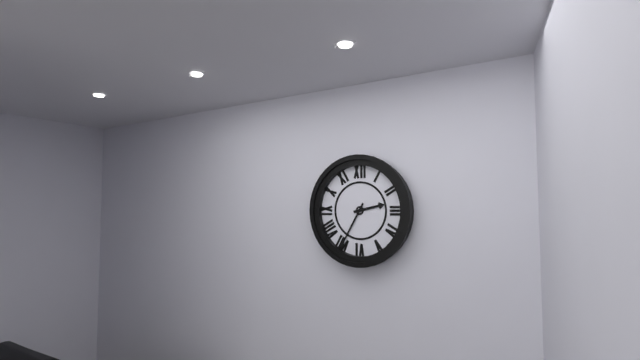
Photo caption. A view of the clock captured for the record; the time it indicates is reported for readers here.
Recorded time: 2:35
